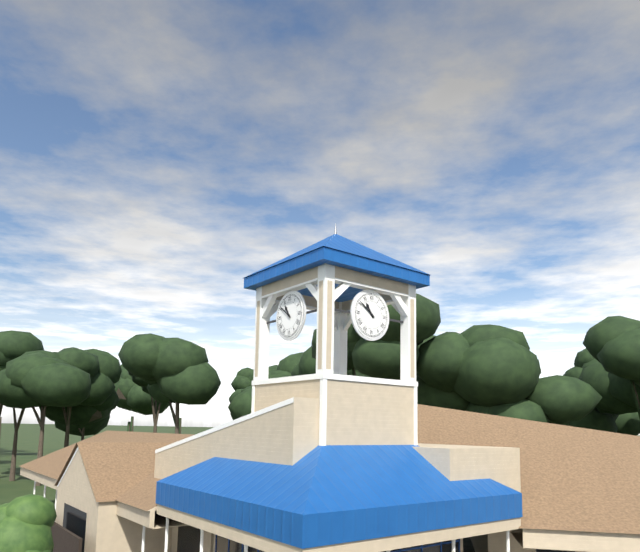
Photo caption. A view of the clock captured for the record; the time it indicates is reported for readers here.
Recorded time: 10:51
